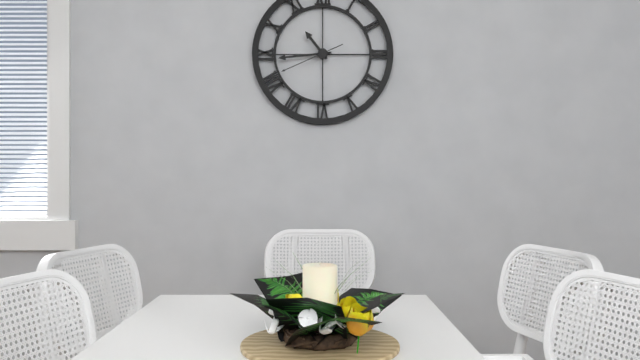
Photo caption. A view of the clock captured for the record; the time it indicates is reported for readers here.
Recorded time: 10:44:41
